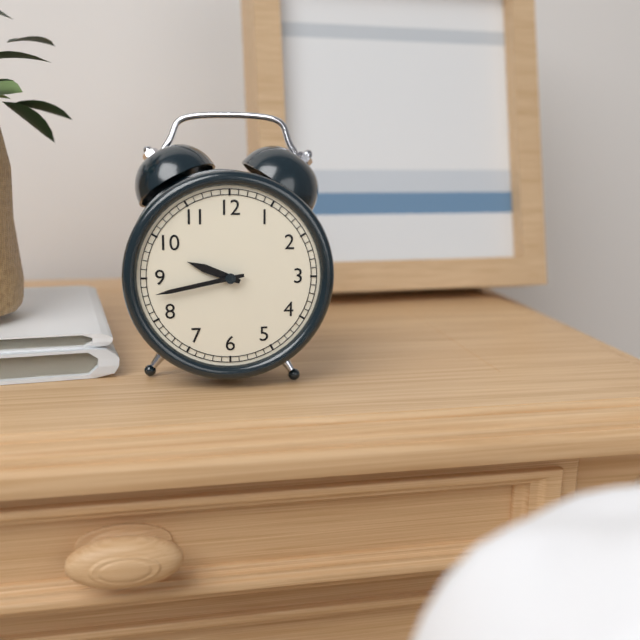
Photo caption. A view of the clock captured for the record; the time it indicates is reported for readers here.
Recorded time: 9:43
